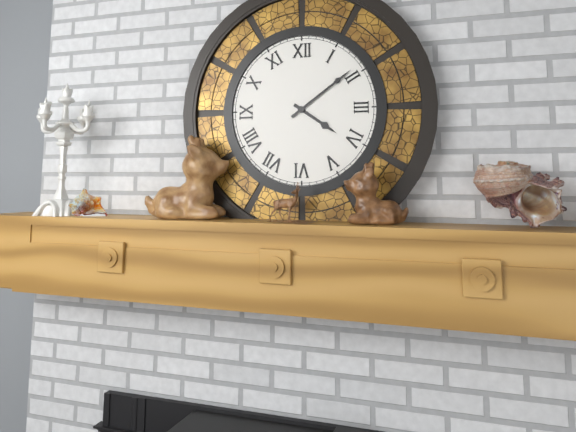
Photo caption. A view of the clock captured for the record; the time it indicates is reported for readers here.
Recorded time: 4:09
